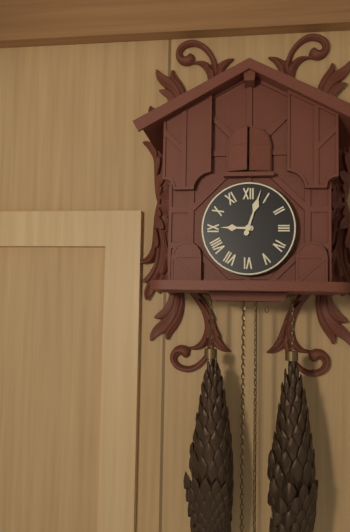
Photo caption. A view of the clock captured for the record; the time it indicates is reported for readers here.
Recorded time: 9:03
